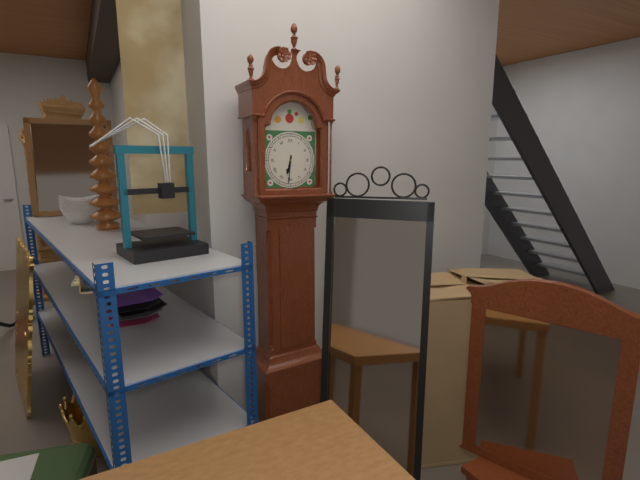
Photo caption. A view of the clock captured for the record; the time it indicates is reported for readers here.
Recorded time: 6:31
